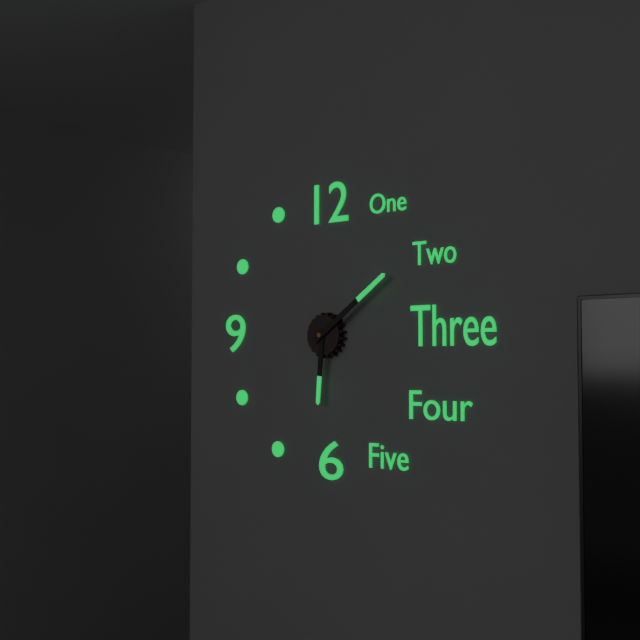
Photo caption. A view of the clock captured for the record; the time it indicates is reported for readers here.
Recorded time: 6:09
